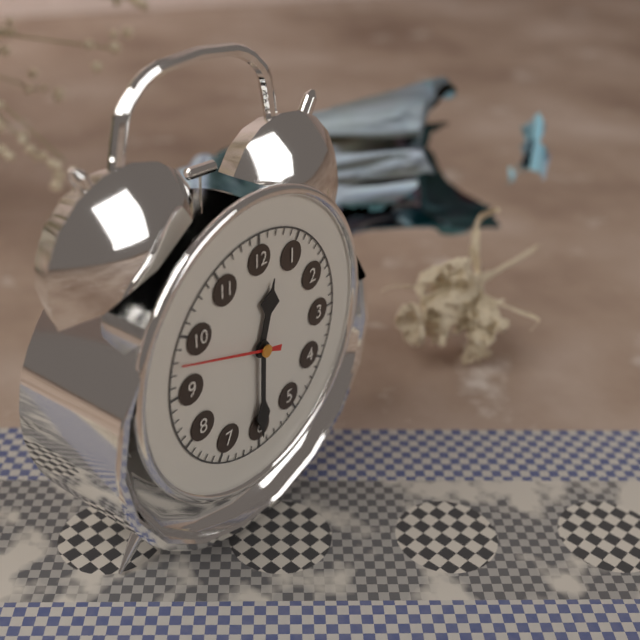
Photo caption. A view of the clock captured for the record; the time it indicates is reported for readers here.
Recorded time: 12:30:48
